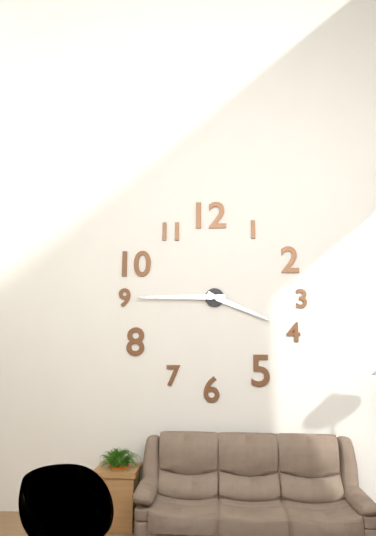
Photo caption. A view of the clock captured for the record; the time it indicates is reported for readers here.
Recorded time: 3:45
